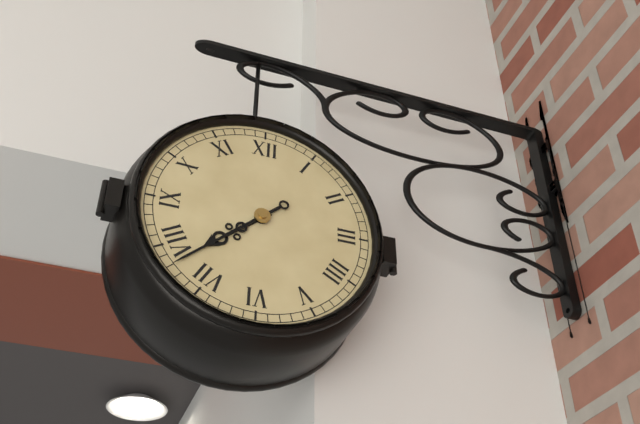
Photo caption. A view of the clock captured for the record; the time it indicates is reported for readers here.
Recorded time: 7:38
